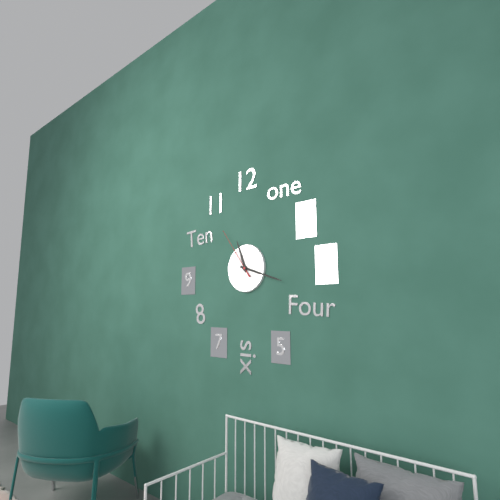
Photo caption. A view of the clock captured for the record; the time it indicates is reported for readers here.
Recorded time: 11:18:54
